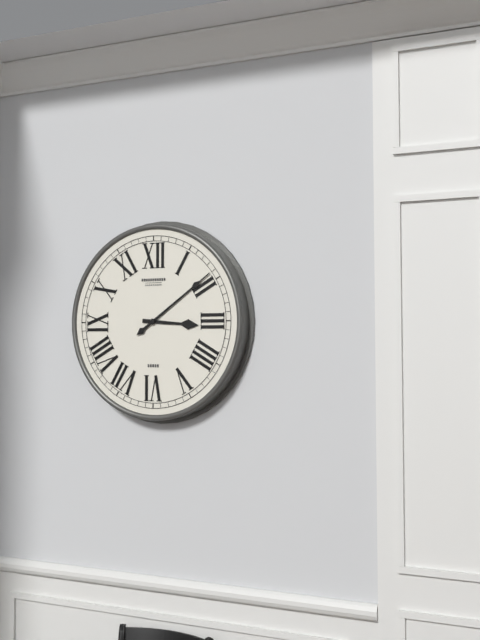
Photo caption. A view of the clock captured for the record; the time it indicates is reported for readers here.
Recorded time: 3:09
